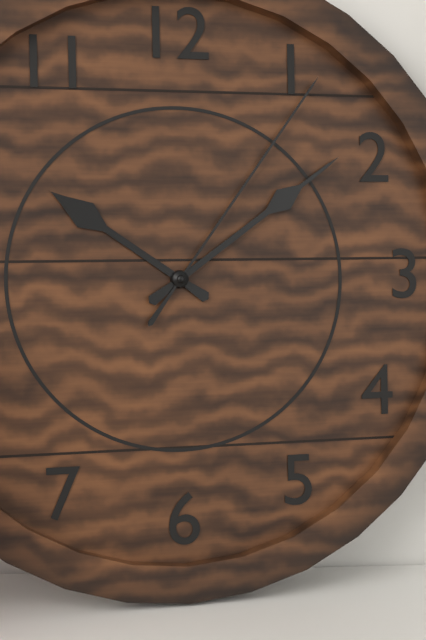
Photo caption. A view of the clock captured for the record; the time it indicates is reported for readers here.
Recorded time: 10:09:06
